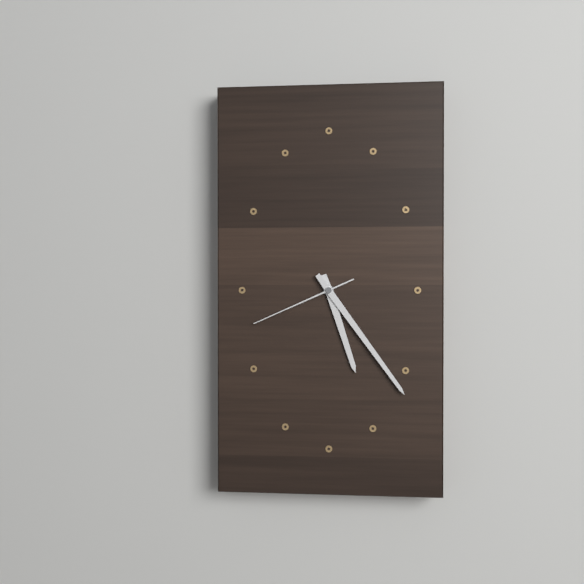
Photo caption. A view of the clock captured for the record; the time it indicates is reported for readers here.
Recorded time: 5:24:41
